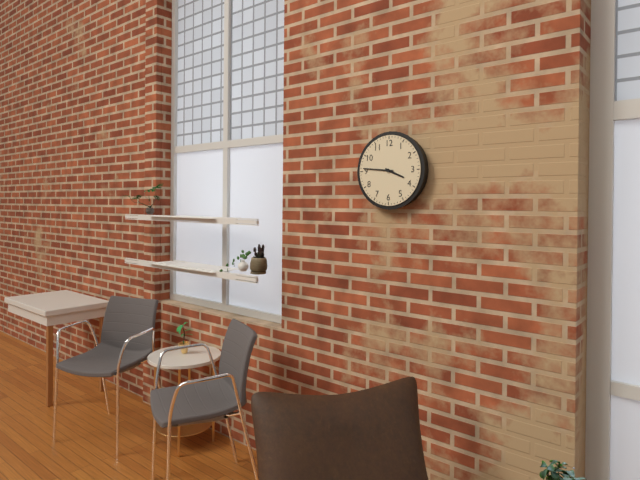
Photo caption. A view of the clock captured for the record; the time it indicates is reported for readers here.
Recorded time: 3:46
